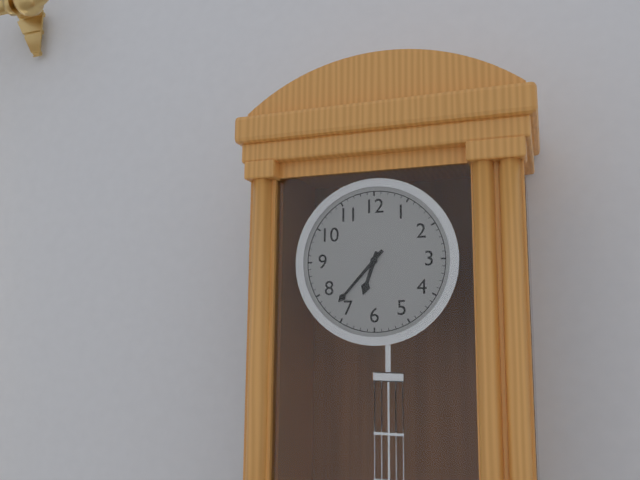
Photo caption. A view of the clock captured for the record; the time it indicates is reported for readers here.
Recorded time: 6:37
